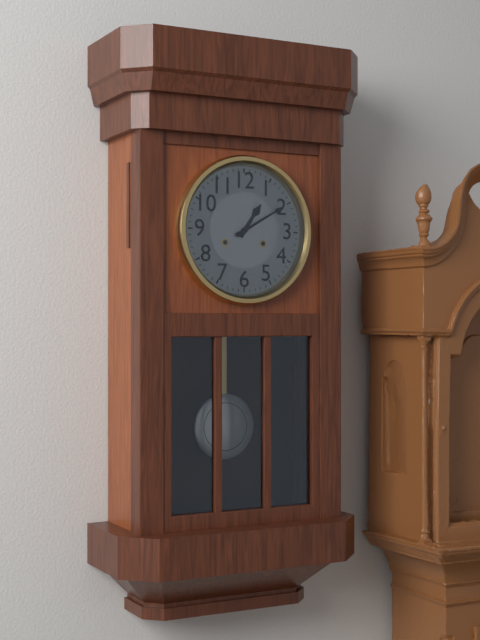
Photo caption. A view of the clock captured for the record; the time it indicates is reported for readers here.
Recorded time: 1:10
